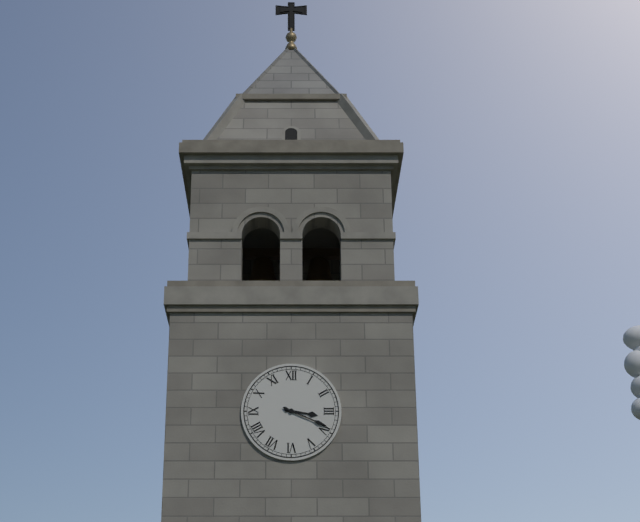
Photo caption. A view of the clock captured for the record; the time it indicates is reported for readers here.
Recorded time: 3:19
